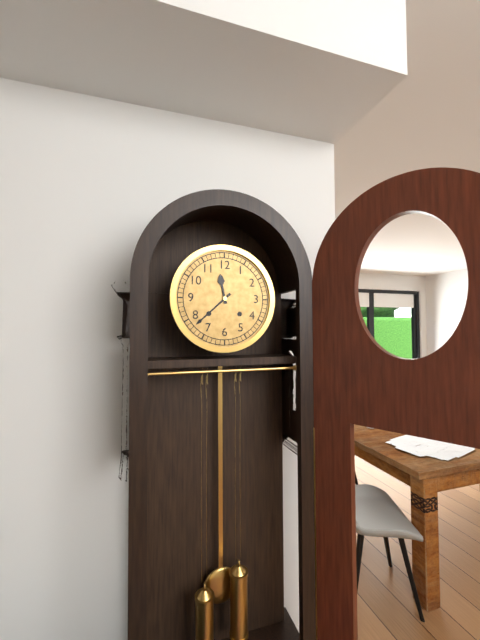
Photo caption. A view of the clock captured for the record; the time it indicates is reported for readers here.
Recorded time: 11:38
